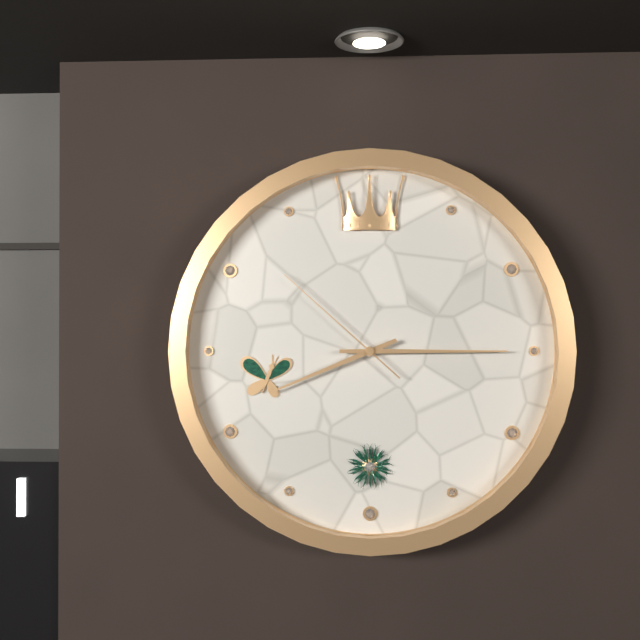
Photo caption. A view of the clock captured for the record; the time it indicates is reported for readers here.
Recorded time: 8:15:52
